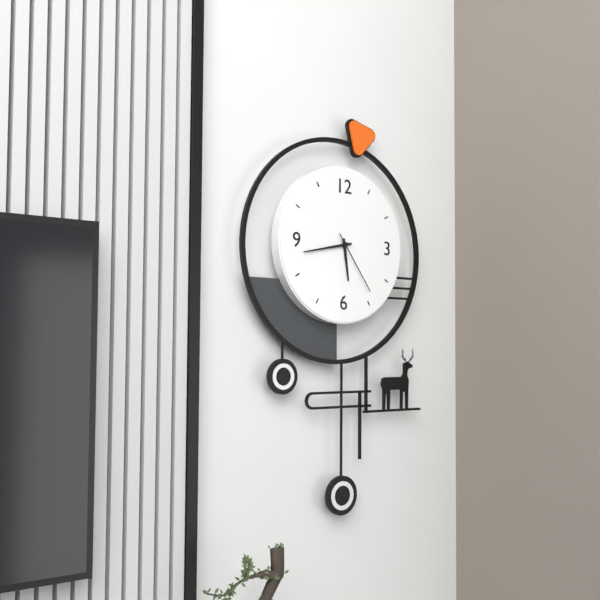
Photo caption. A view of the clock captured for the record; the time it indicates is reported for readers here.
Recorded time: 5:43:24
